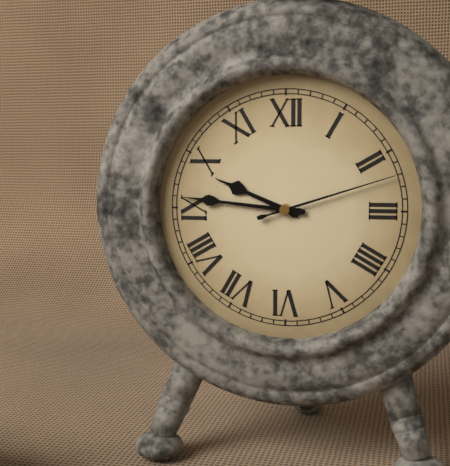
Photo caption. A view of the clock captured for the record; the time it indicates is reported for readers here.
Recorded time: 9:46:12
